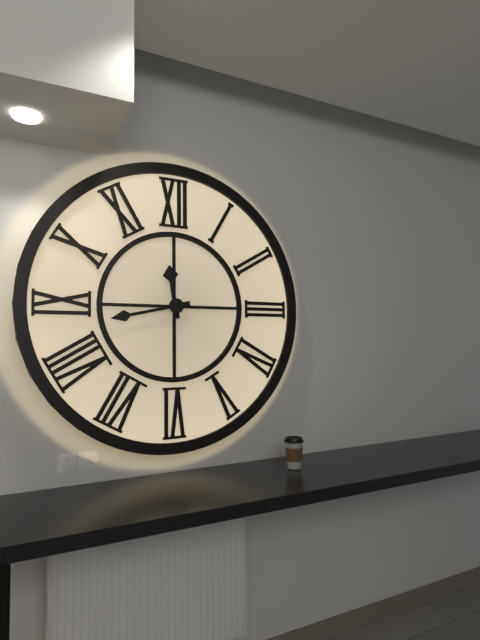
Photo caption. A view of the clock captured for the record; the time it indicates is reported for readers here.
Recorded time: 11:43
